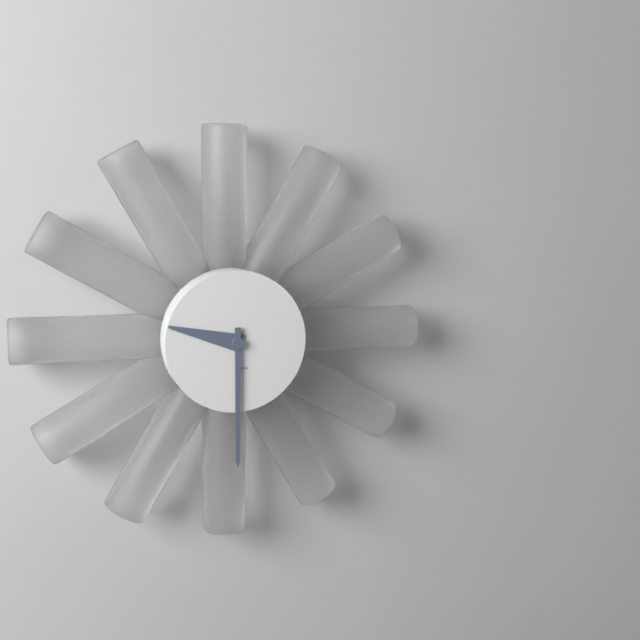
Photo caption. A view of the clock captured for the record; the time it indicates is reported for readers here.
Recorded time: 9:30
